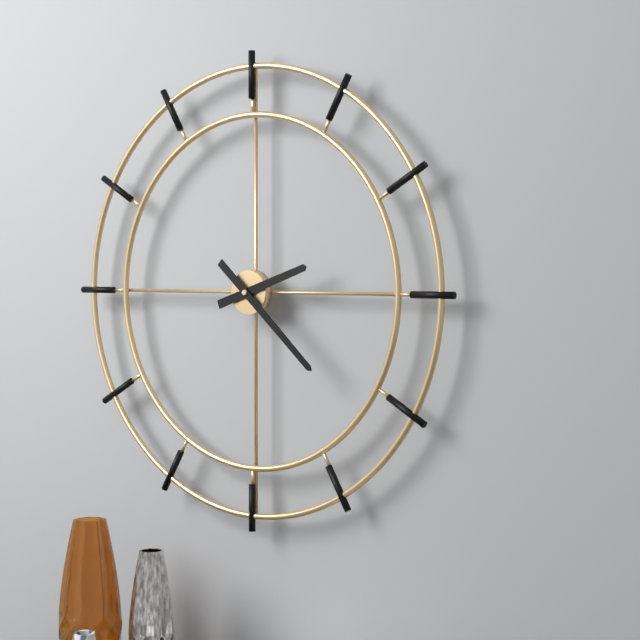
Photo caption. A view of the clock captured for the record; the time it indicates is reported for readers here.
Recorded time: 2:22
